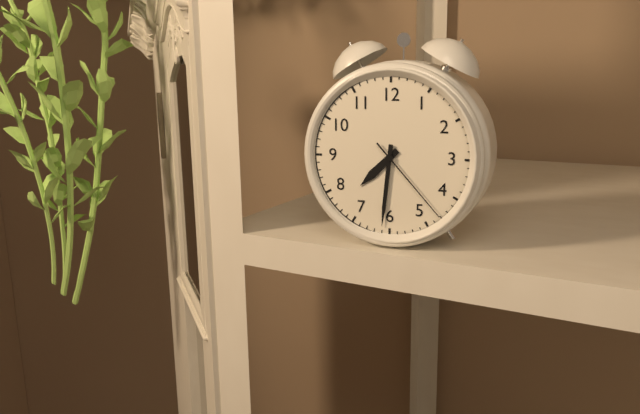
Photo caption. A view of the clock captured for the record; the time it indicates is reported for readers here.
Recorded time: 7:31:23
